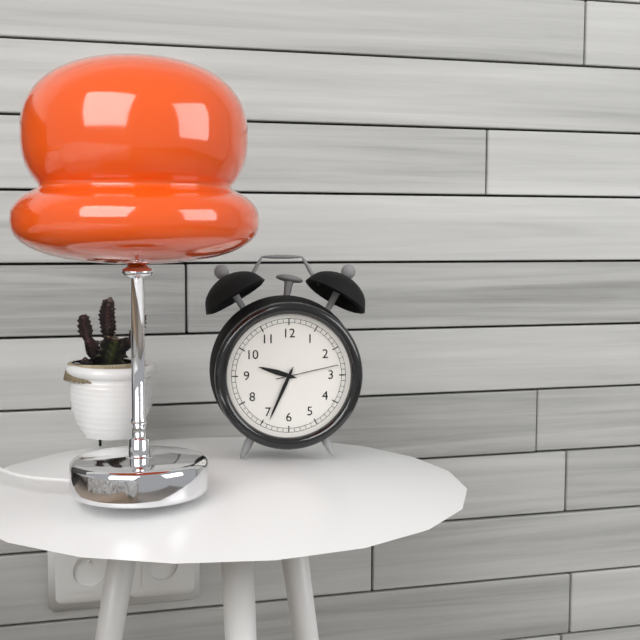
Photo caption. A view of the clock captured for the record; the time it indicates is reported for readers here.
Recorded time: 9:34:13
